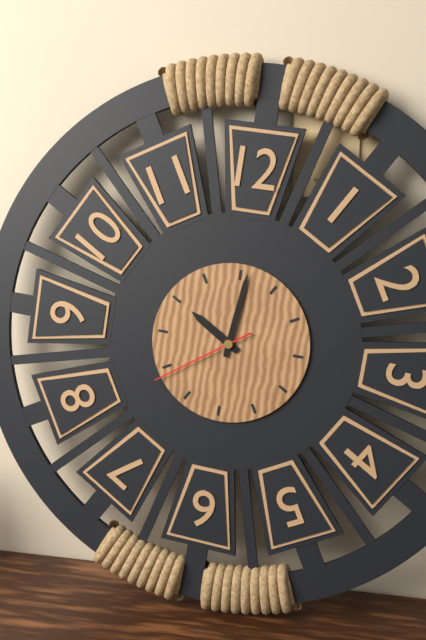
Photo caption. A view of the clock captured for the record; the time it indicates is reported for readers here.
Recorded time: 10:01:39
